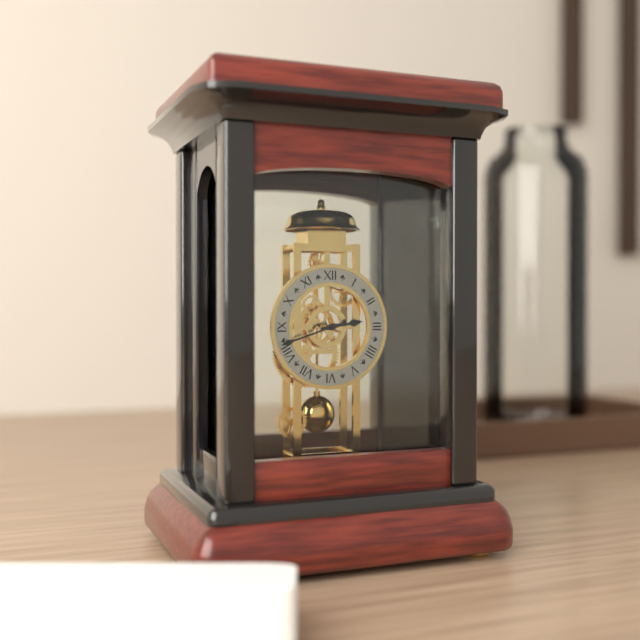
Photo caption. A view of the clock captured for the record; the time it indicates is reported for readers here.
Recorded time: 2:42
